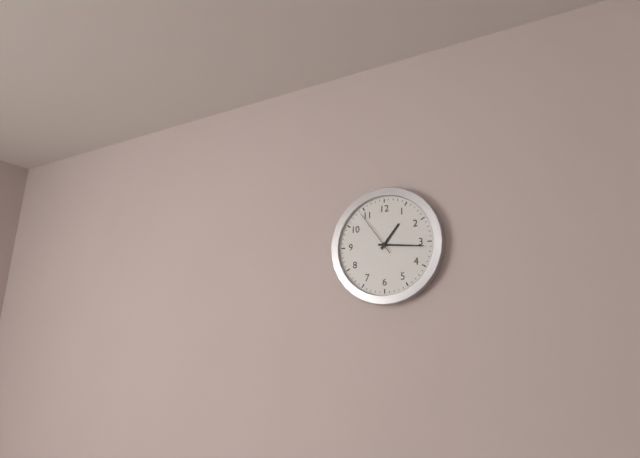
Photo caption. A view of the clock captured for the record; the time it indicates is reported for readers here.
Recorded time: 1:16
